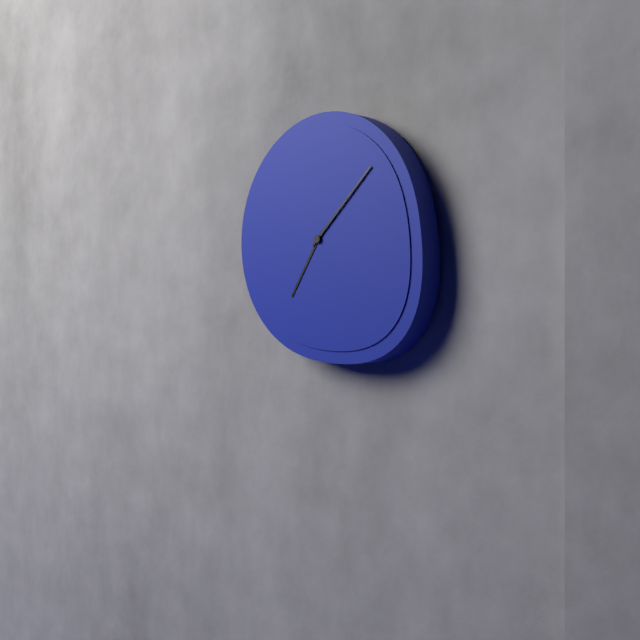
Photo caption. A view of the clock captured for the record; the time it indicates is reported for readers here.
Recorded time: 7:08
